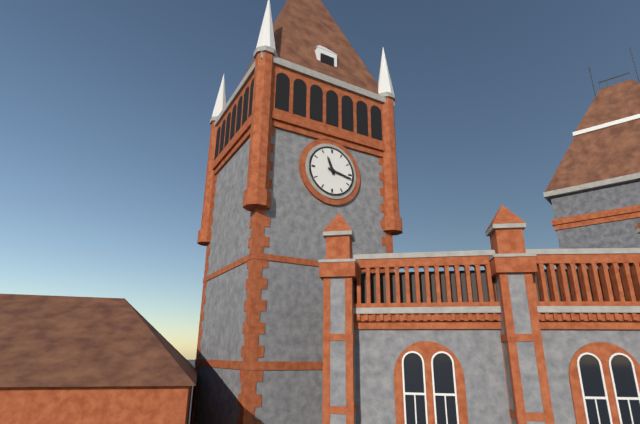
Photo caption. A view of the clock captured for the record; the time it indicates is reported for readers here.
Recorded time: 11:17
